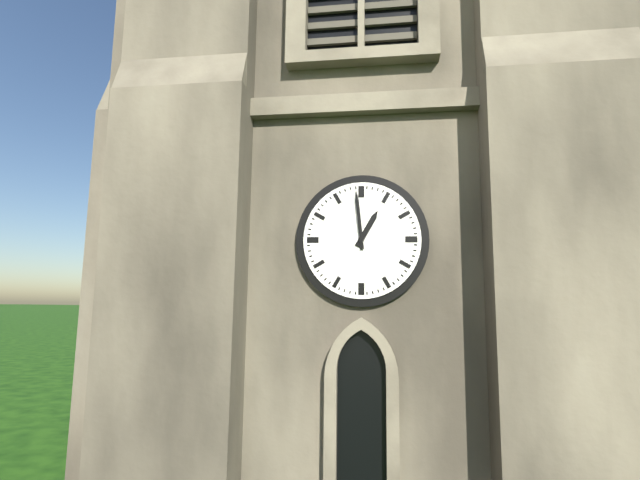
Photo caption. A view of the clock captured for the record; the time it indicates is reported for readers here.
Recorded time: 12:59
